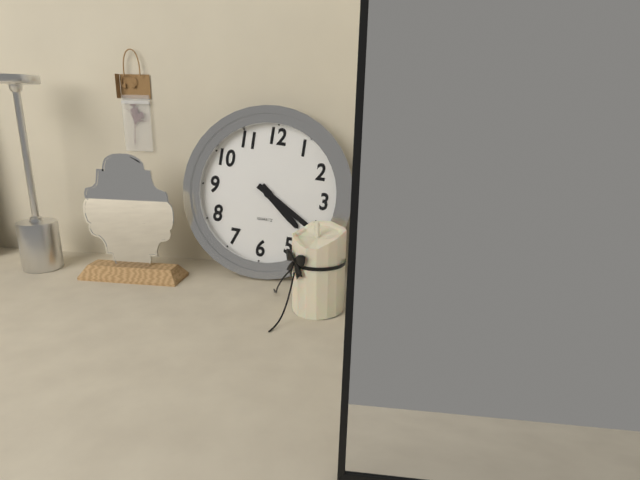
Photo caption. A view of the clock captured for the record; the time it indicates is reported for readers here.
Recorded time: 4:20
